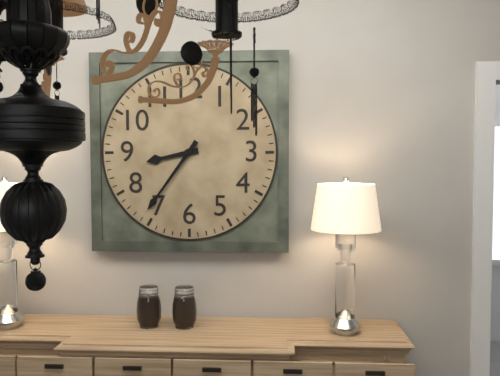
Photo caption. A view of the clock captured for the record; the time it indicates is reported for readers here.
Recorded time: 8:36
